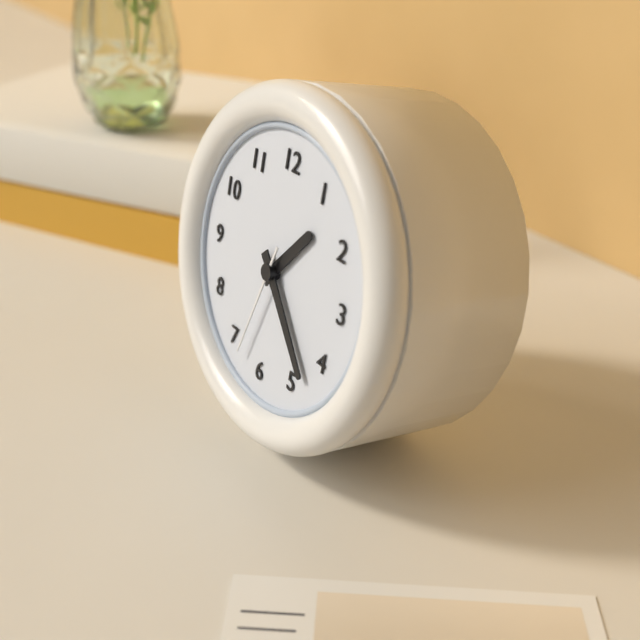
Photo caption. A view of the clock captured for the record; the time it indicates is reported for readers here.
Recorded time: 1:23:33
